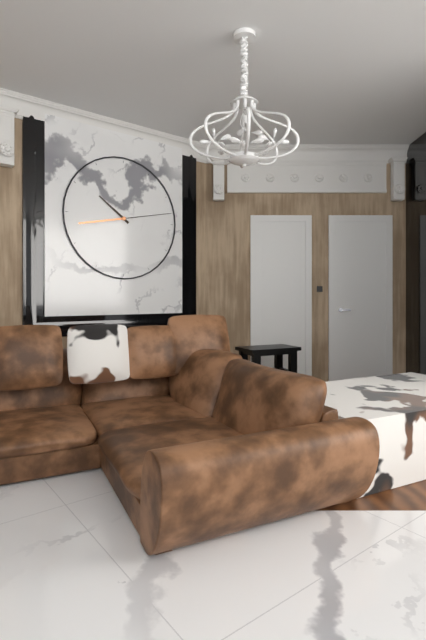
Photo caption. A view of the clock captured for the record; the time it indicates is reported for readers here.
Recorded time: 10:13
